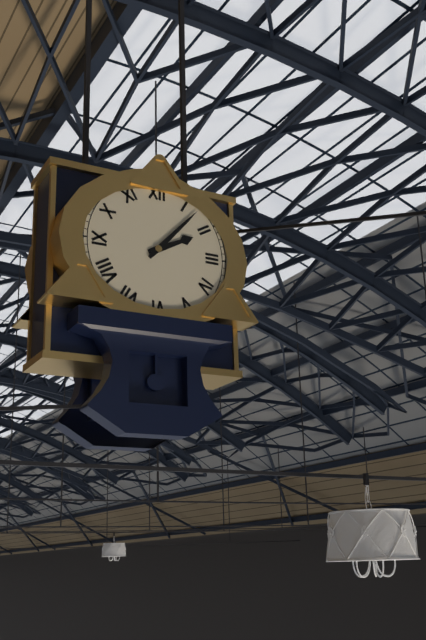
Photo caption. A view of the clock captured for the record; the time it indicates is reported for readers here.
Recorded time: 2:07
